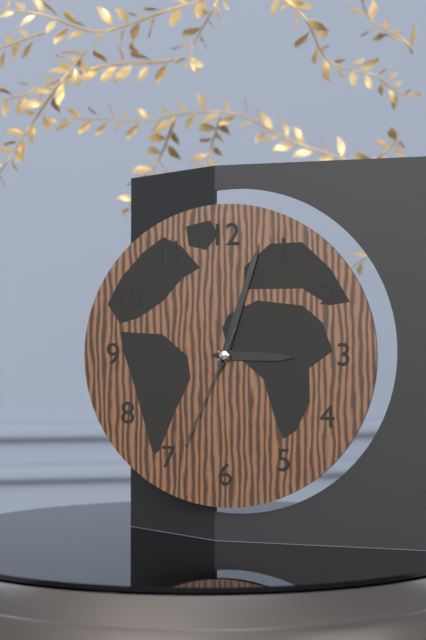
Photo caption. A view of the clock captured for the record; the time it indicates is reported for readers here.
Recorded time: 3:03:34
